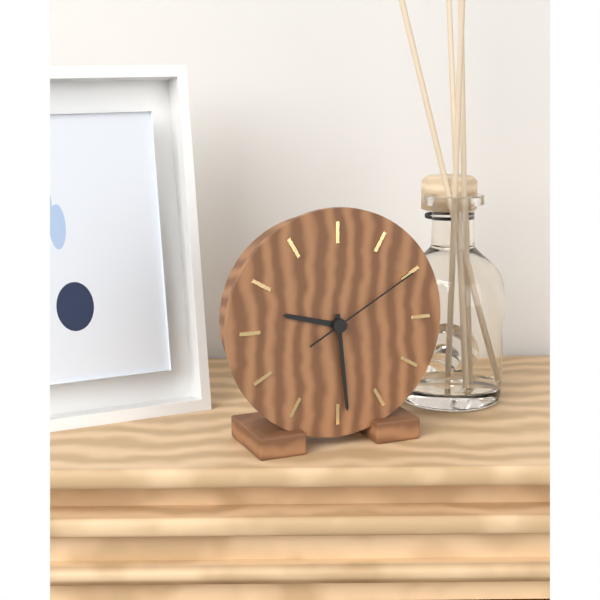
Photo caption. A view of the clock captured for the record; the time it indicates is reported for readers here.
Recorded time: 9:29:10
